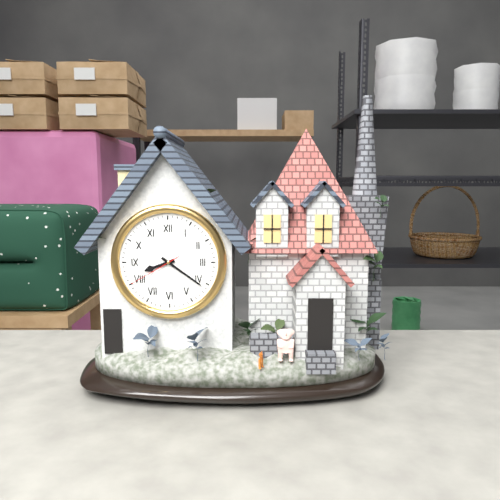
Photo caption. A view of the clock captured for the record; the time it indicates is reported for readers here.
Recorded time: 8:21:40
